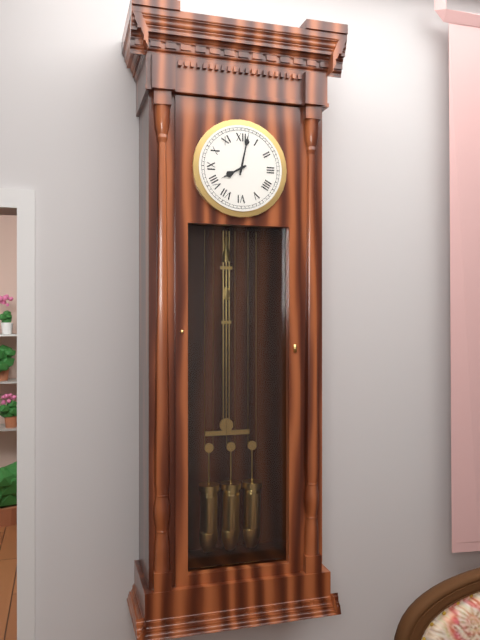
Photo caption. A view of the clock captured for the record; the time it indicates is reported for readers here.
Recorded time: 8:02
